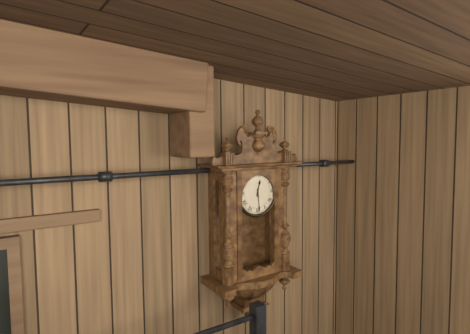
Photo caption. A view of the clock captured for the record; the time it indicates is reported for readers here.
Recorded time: 12:29
